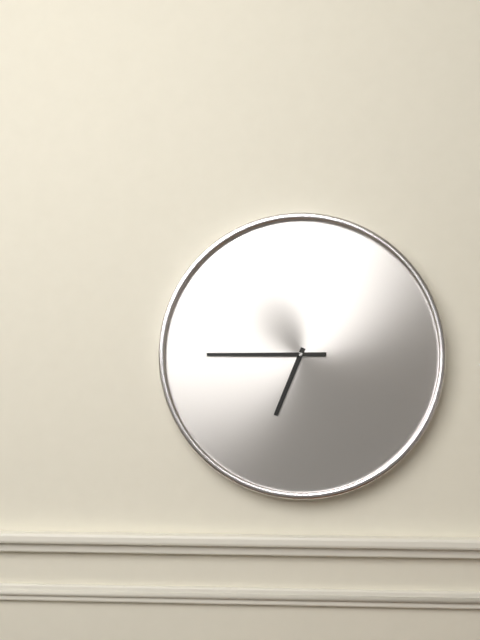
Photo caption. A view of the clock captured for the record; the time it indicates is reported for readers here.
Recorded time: 6:45
